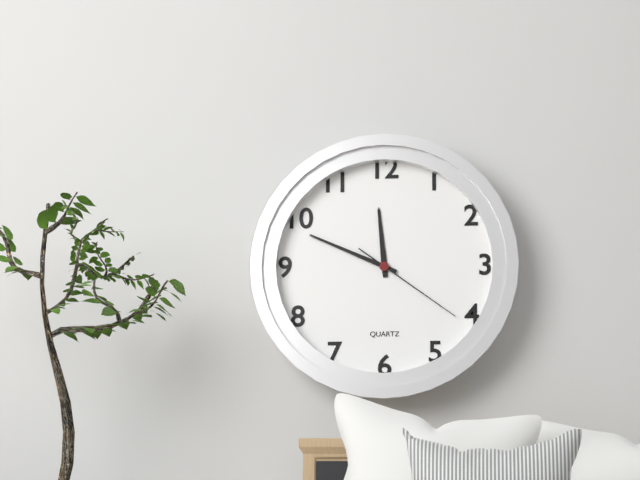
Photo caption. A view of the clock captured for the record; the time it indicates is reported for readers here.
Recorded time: 11:49:21
